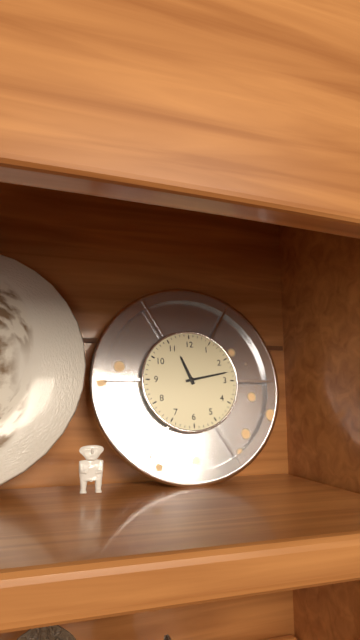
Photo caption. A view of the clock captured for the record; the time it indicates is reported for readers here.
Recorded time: 11:13
